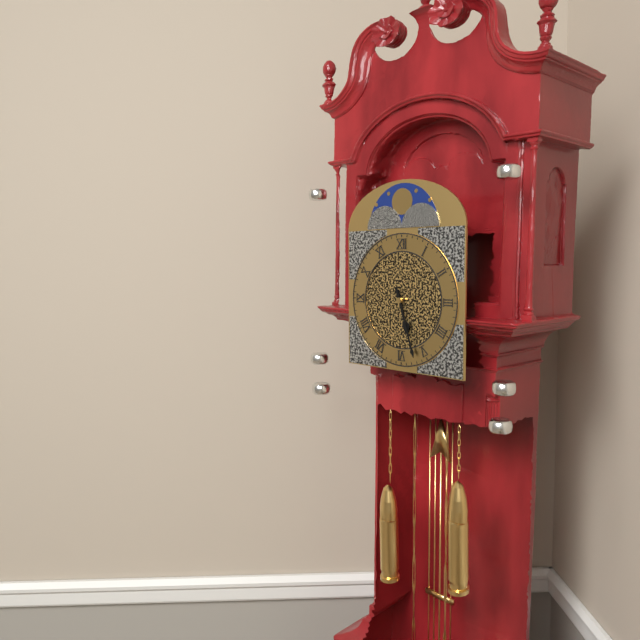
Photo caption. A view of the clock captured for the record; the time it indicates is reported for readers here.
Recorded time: 5:27
